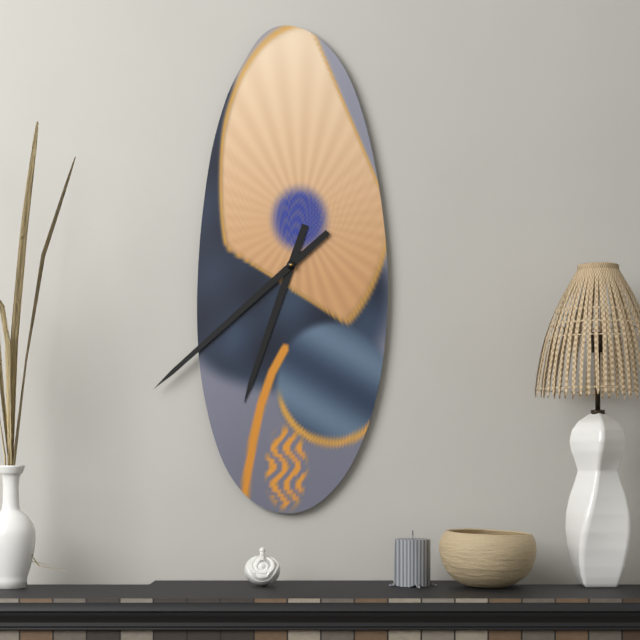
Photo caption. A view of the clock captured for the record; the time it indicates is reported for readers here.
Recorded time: 6:38
